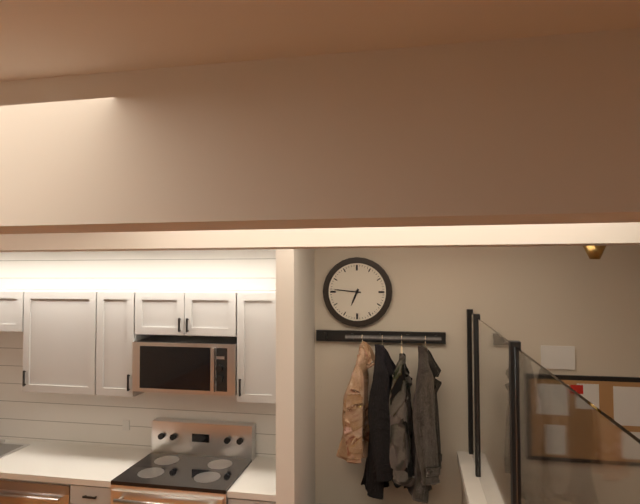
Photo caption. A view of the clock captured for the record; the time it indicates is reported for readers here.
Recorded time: 6:46
